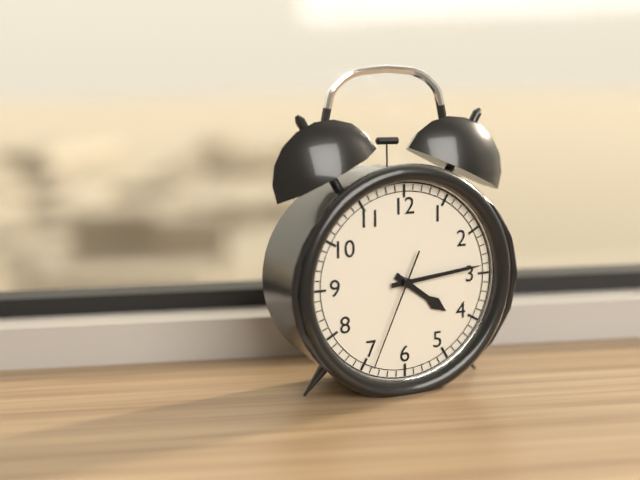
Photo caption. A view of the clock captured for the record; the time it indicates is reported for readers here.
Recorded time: 4:14:34
